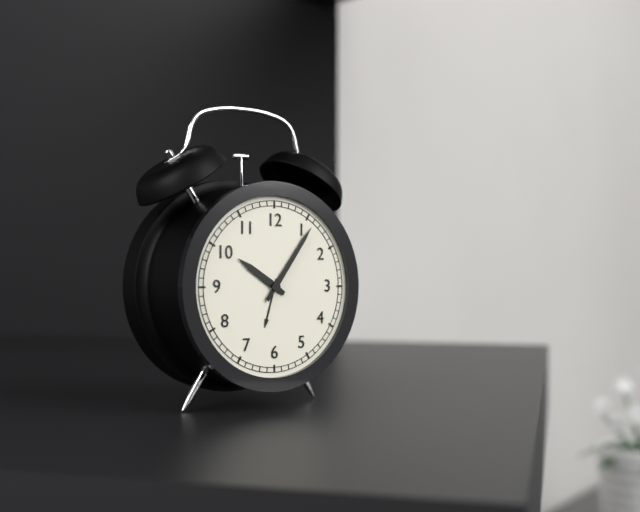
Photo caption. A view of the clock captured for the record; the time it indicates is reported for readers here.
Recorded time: 10:06
